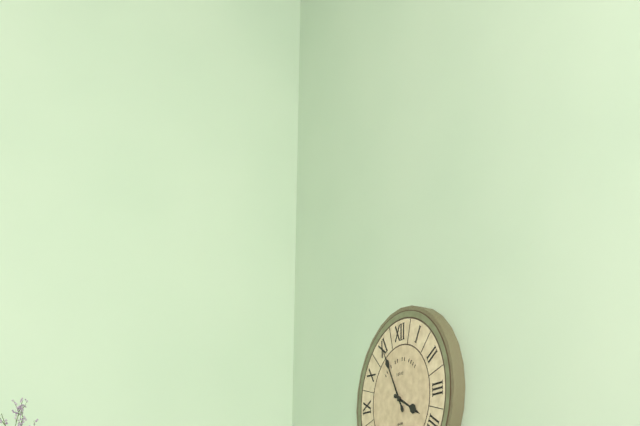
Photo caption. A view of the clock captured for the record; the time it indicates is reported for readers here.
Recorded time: 3:55
